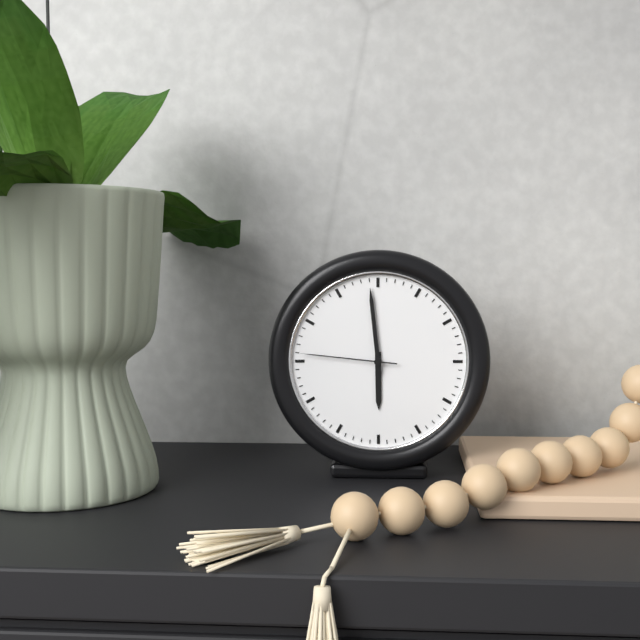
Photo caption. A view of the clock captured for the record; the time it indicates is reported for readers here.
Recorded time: 5:59:46
